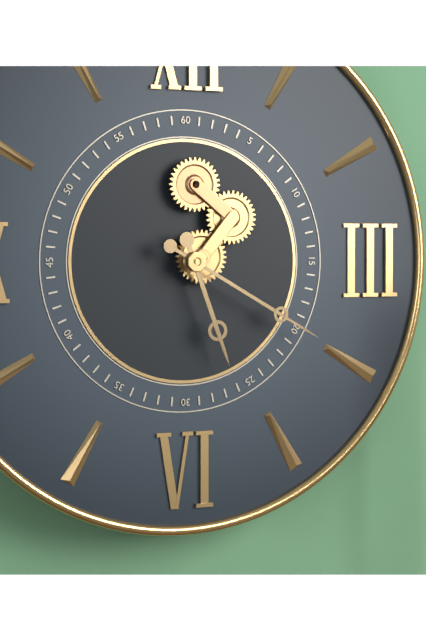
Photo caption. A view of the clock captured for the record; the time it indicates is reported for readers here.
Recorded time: 5:20
